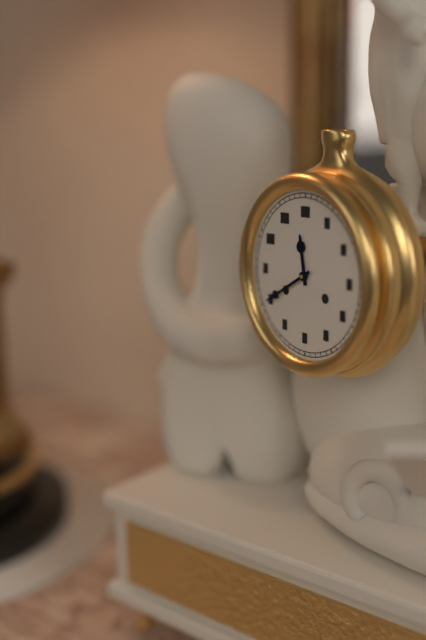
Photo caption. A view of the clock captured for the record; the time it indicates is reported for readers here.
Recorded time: 11:40
